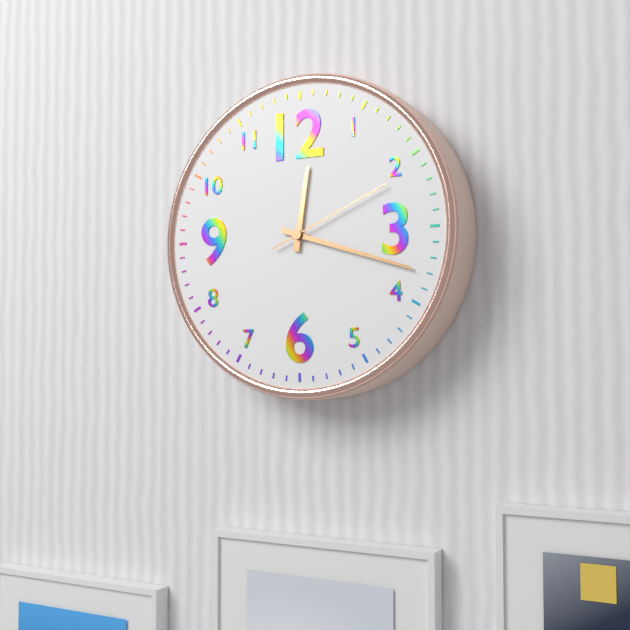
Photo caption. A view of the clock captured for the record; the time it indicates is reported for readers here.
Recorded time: 12:18:11
